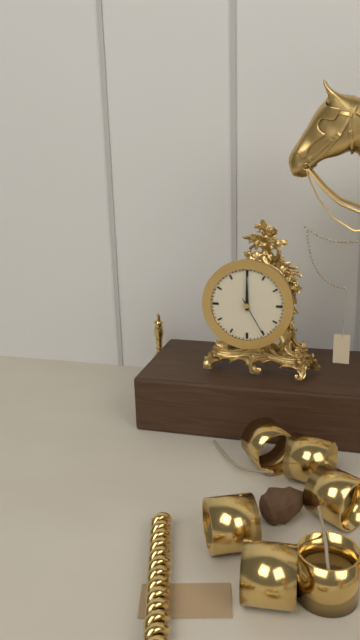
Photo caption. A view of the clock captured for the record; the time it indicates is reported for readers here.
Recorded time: 12:00
